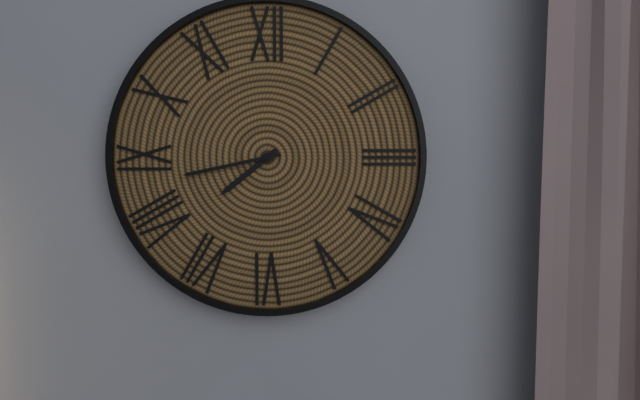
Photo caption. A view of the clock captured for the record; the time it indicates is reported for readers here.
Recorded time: 7:43
